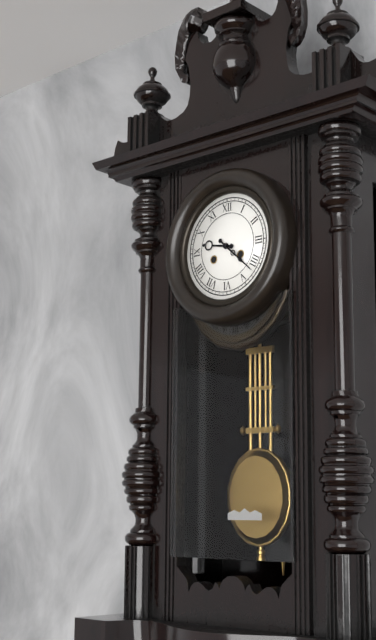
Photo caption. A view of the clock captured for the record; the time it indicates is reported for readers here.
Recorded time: 9:22
